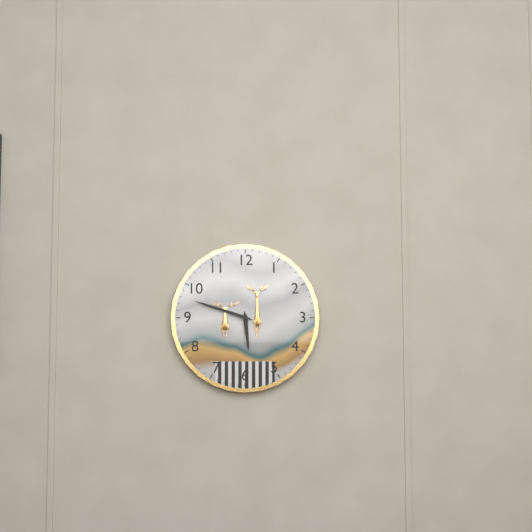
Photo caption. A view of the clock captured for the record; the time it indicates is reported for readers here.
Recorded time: 5:48
